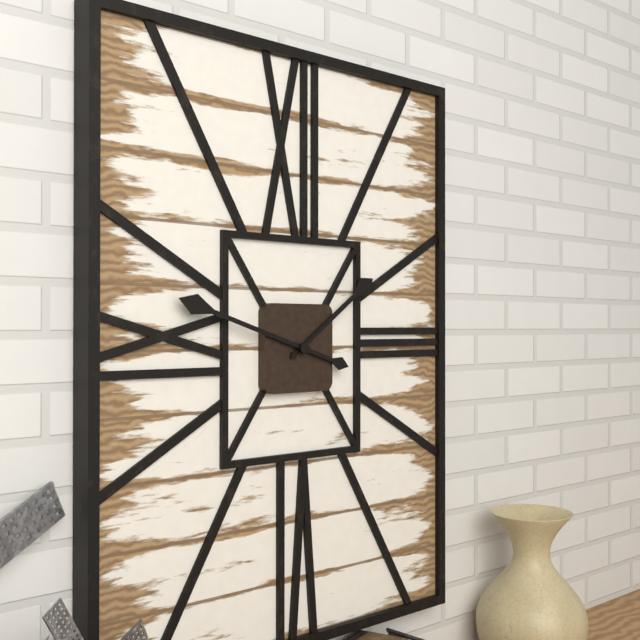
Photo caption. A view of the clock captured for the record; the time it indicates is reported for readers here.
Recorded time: 1:48
